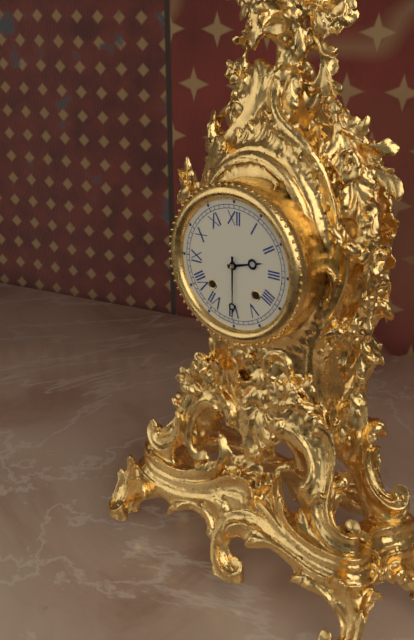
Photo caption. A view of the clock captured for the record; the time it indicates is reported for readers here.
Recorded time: 2:30
